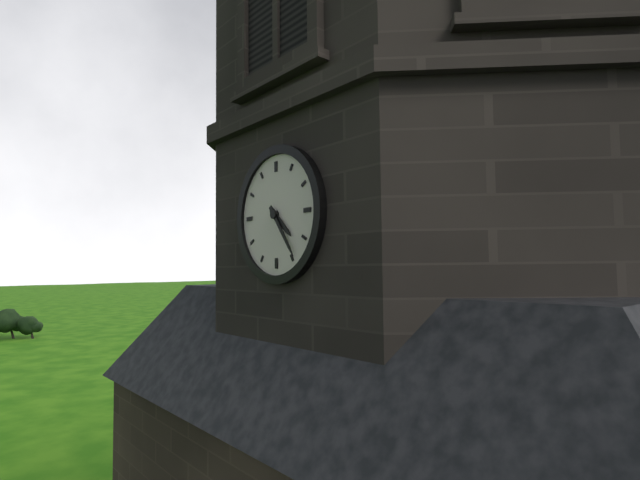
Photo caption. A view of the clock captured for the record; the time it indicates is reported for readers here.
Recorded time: 4:24
